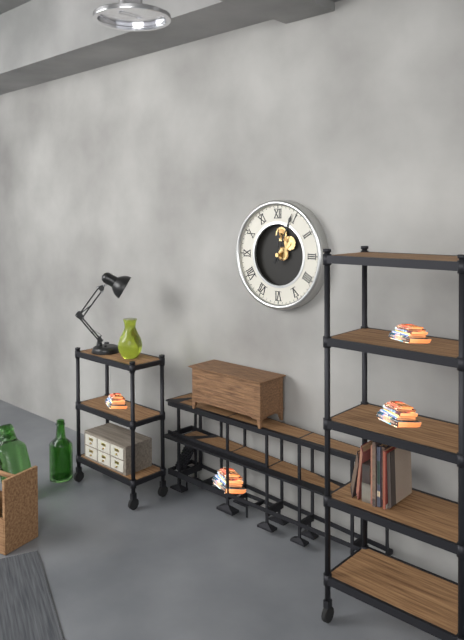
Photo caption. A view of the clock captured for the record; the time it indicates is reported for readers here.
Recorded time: 12:04
